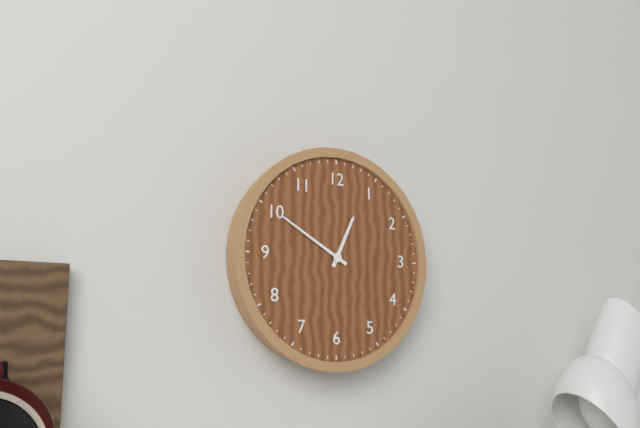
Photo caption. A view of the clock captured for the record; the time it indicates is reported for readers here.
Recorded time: 12:50
